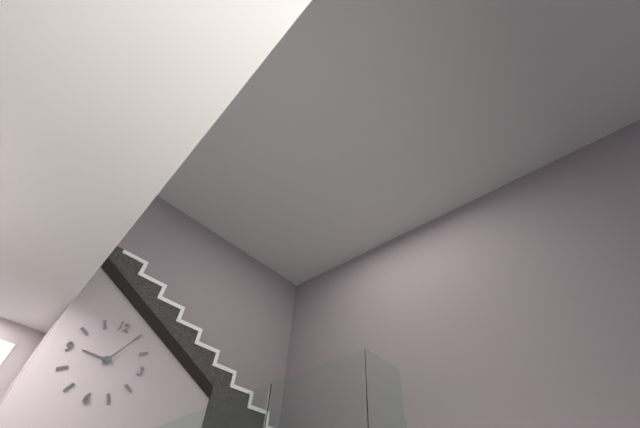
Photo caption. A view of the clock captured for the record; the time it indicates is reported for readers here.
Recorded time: 9:05
